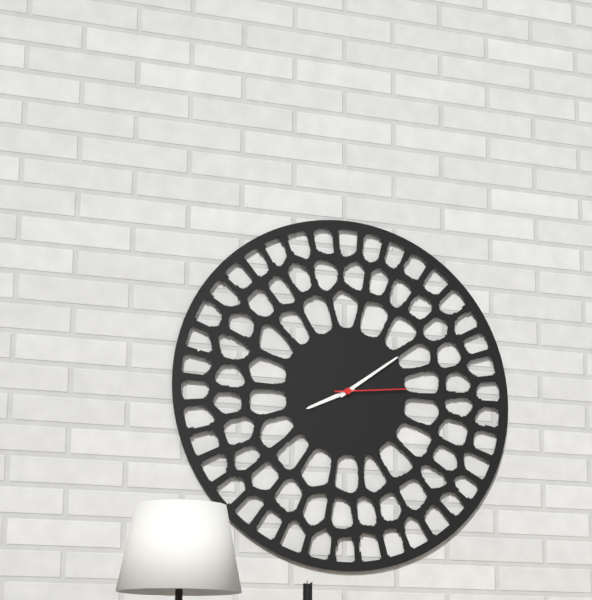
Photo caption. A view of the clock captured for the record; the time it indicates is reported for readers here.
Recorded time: 8:09:14
